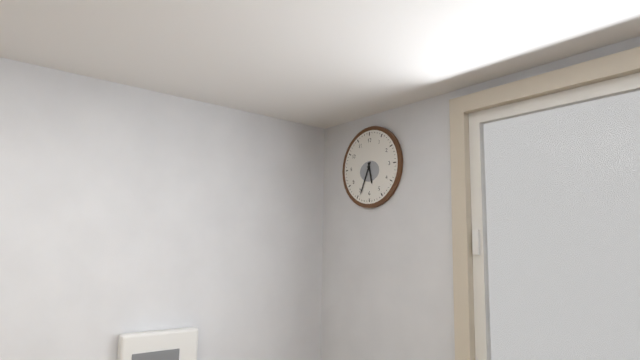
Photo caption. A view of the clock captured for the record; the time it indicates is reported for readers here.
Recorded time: 5:34
